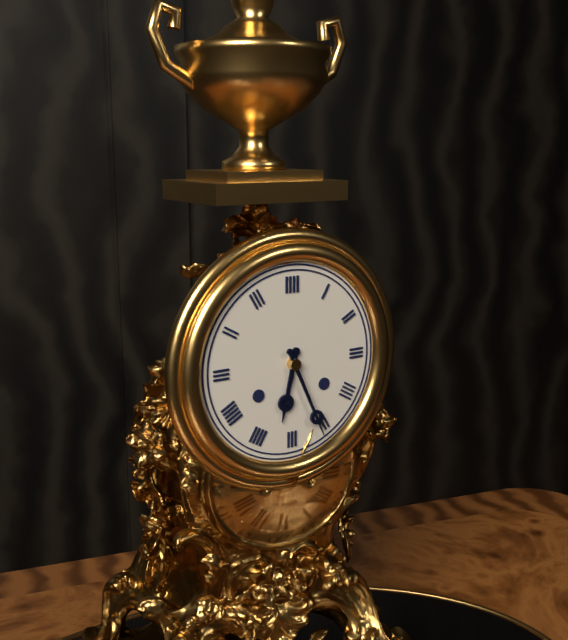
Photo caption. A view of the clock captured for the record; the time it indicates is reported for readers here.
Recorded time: 6:26
